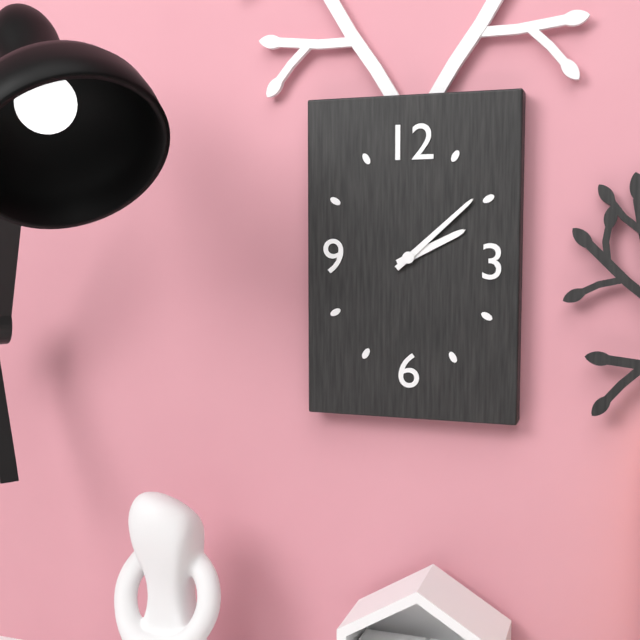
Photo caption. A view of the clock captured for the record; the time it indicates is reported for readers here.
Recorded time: 2:08
